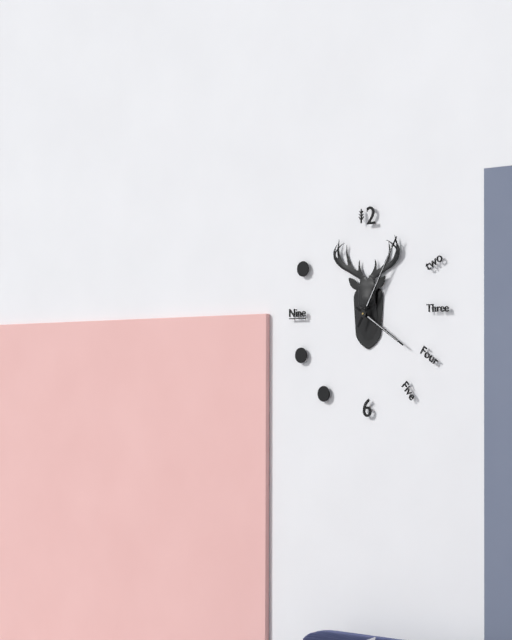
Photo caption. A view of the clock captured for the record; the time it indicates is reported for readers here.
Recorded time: 4:05
